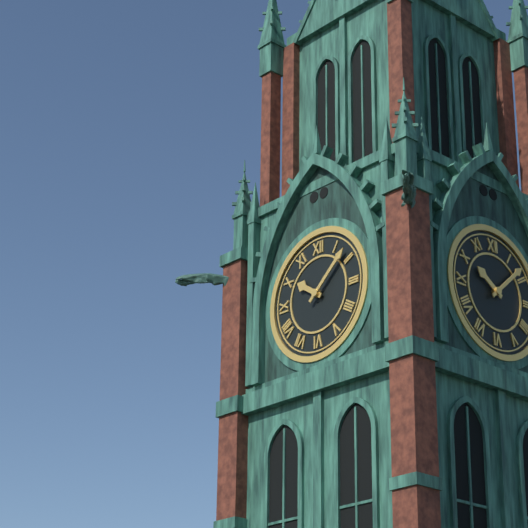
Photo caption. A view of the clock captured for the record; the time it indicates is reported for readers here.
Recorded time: 10:08
